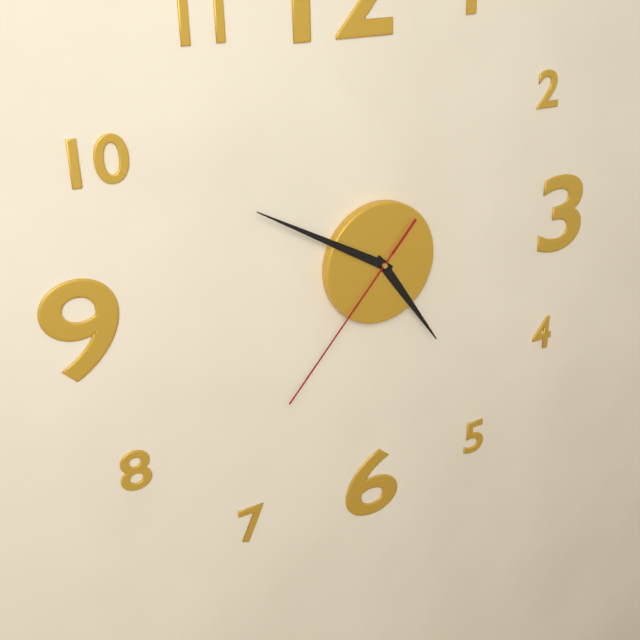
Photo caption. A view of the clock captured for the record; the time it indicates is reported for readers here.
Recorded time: 4:50:37
